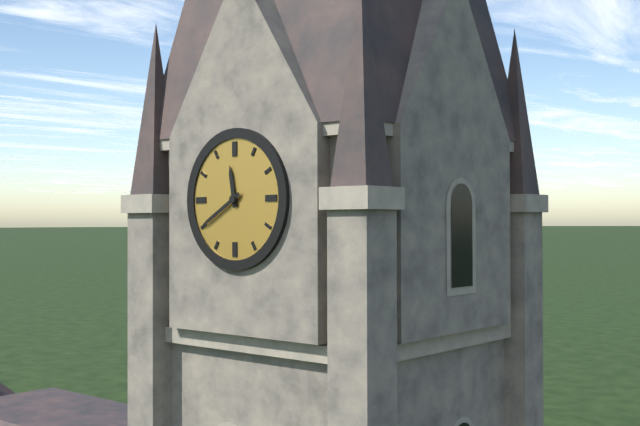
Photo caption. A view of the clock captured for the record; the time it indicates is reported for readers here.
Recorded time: 11:40
